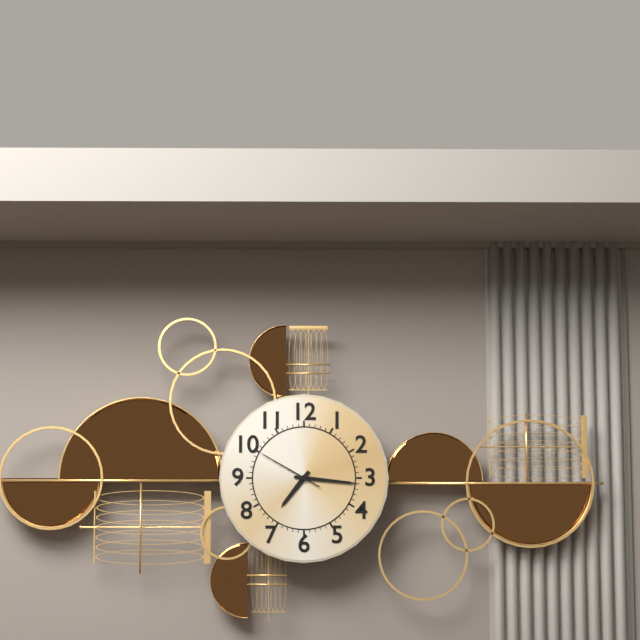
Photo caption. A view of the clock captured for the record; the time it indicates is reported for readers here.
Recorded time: 7:16:50
